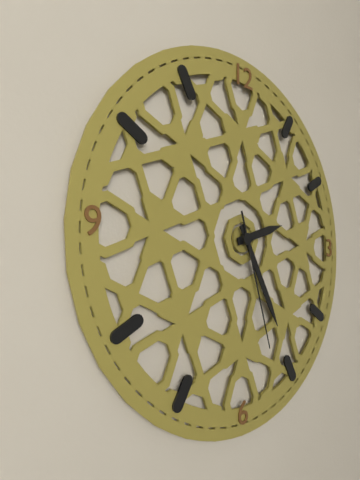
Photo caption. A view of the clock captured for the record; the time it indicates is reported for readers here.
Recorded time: 2:25:27
